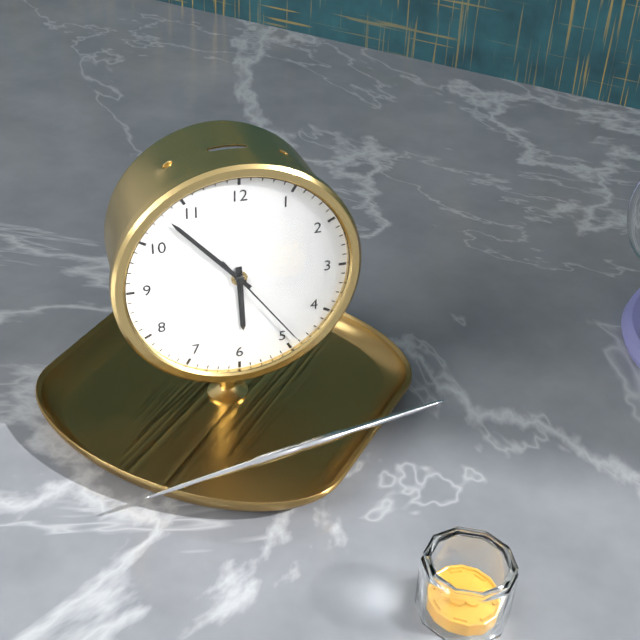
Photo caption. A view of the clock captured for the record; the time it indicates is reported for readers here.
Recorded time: 5:53:24
